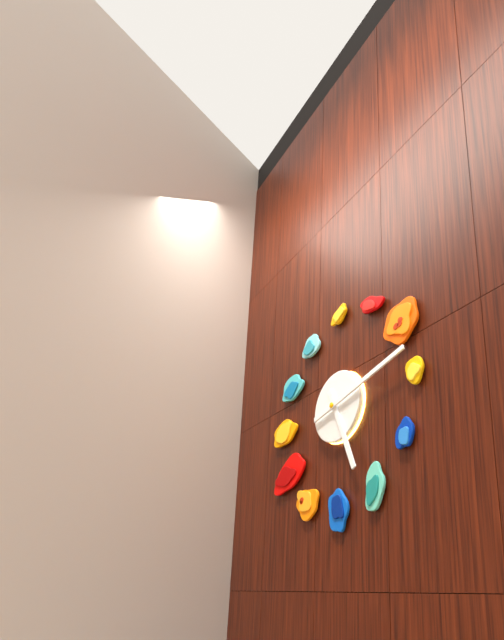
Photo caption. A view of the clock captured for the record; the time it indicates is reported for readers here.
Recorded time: 5:13
